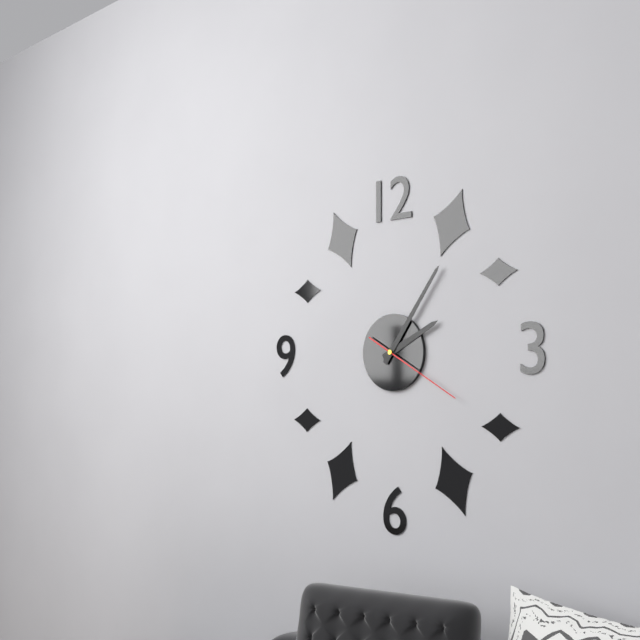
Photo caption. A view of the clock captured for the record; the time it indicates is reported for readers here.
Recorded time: 2:06:20
